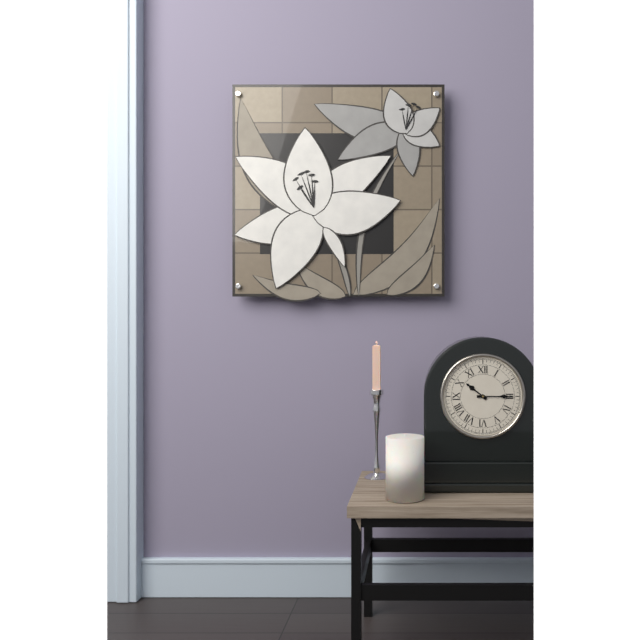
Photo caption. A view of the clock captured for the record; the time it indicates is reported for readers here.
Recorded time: 10:15
